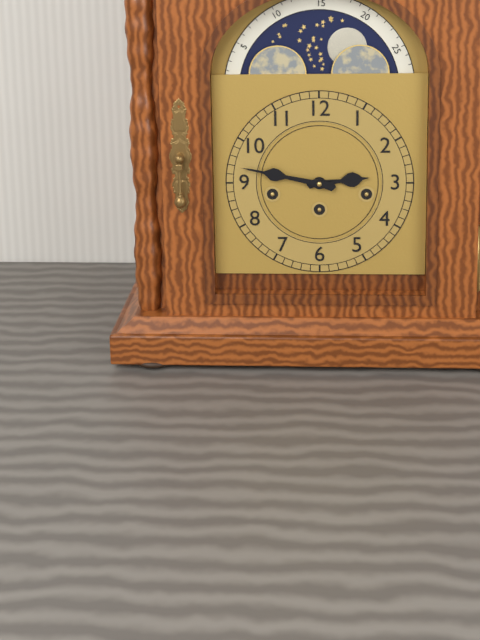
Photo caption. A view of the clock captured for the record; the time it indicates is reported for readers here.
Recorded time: 2:47
